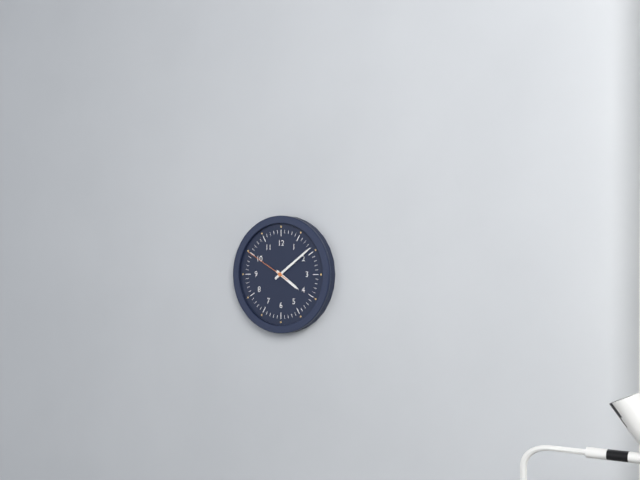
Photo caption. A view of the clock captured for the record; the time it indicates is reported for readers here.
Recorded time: 4:09
